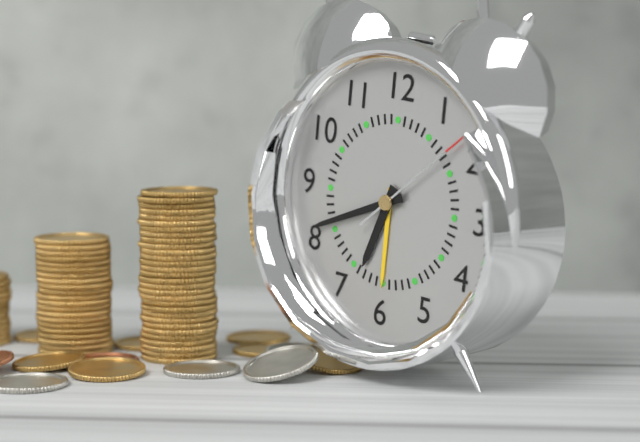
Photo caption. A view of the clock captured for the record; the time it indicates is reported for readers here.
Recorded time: 6:41:08
